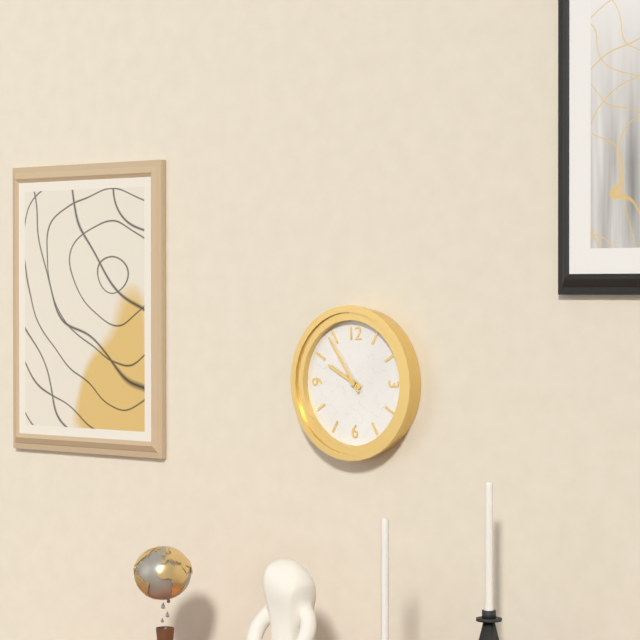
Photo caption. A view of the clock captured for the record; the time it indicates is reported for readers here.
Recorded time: 9:54
